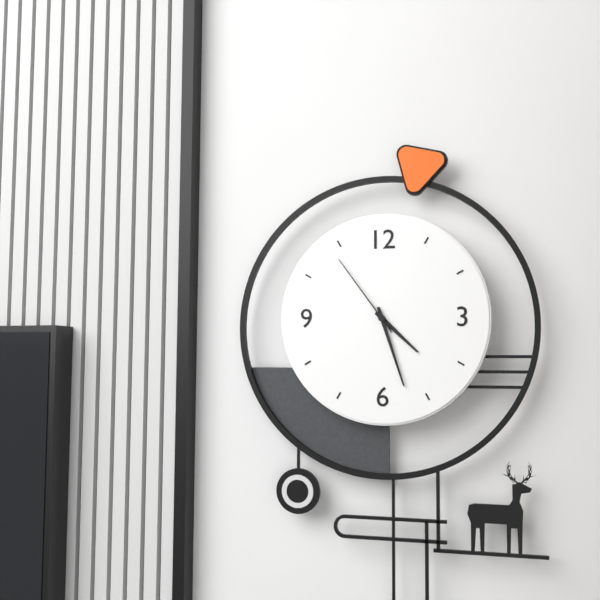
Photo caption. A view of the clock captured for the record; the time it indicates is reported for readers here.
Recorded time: 4:27:54
